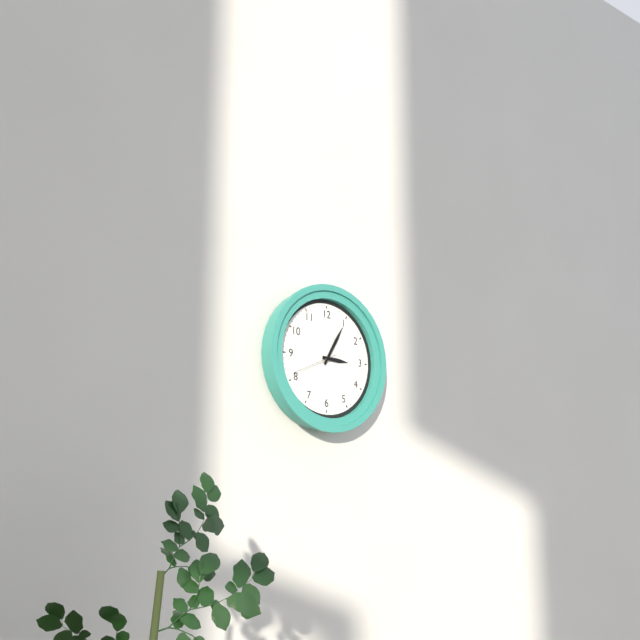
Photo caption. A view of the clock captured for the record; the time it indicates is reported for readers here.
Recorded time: 3:05
